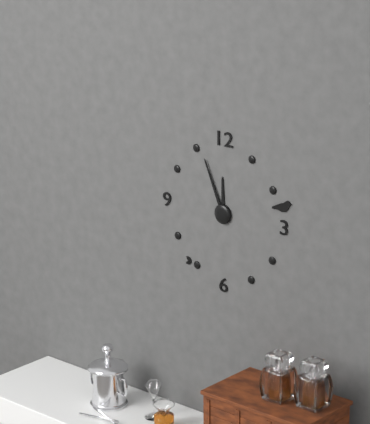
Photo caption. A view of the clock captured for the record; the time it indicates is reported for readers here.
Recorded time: 11:56
